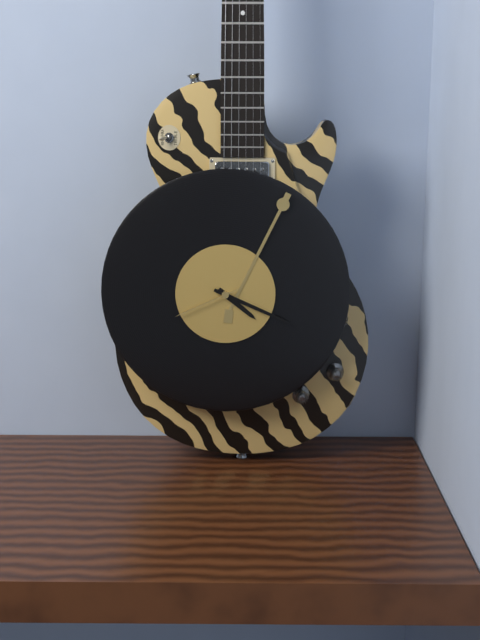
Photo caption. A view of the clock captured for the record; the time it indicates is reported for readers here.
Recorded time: 4:19:41
